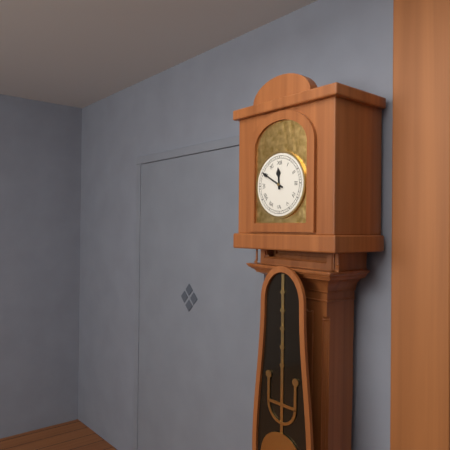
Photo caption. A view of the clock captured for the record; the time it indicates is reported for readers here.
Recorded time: 11:50
